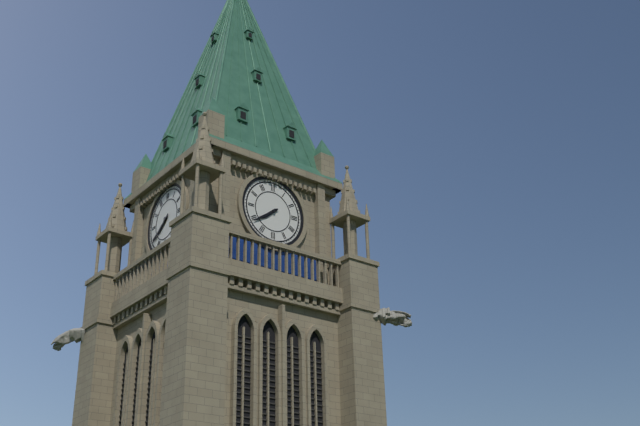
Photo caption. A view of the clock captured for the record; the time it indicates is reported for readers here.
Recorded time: 7:39
